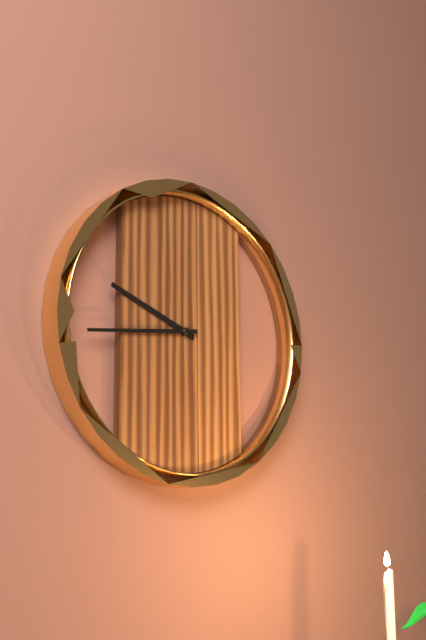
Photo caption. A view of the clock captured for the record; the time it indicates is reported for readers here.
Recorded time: 9:44
